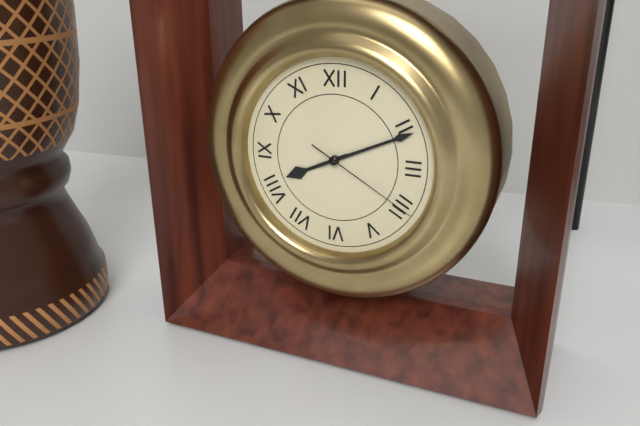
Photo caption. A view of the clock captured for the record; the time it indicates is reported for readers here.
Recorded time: 8:11:20
